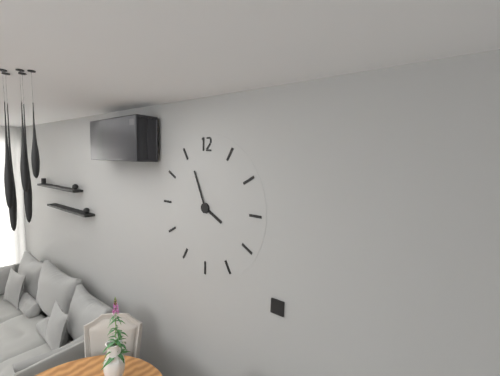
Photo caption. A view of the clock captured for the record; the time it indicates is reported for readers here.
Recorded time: 3:56
